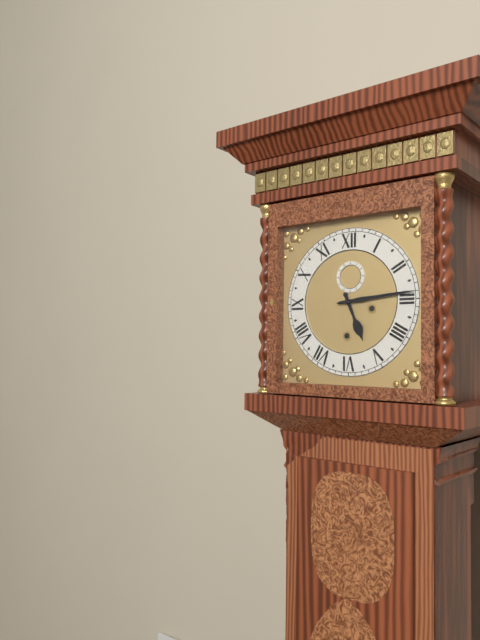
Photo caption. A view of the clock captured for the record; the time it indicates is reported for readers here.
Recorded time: 5:14
